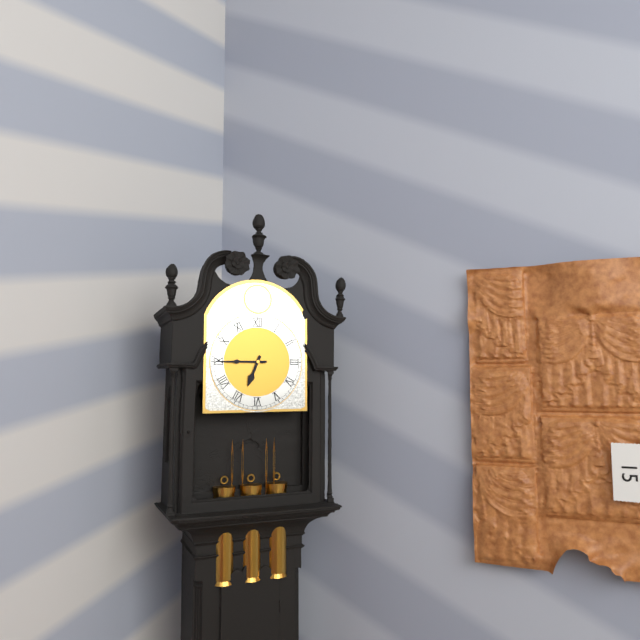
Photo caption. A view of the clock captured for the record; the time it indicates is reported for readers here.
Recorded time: 6:45
